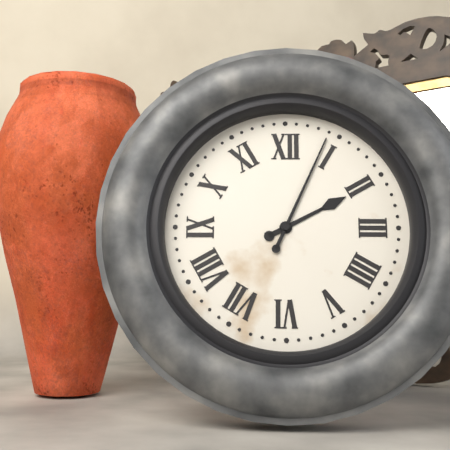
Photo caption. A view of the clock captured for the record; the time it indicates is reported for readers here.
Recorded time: 2:04
